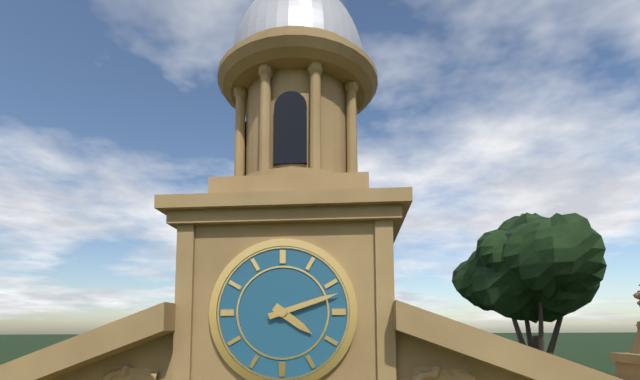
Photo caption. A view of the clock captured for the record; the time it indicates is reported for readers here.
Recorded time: 4:12
